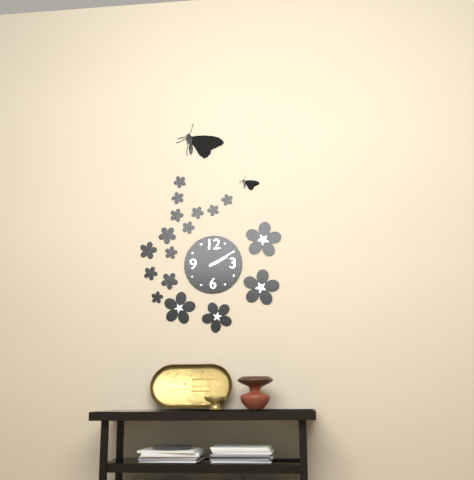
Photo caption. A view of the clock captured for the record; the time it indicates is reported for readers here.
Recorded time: 2:10
